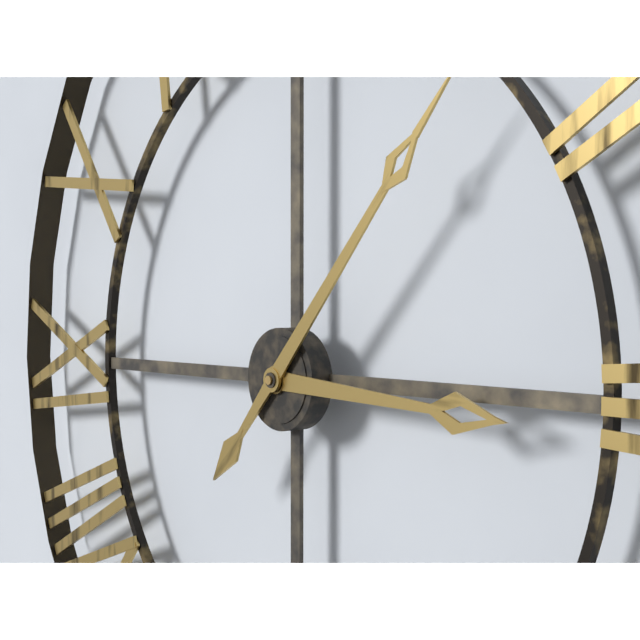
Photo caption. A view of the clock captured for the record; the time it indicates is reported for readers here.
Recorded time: 3:07
